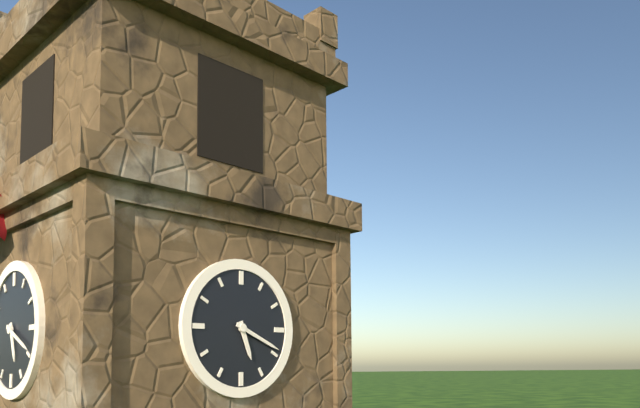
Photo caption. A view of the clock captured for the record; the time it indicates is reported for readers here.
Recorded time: 5:19
